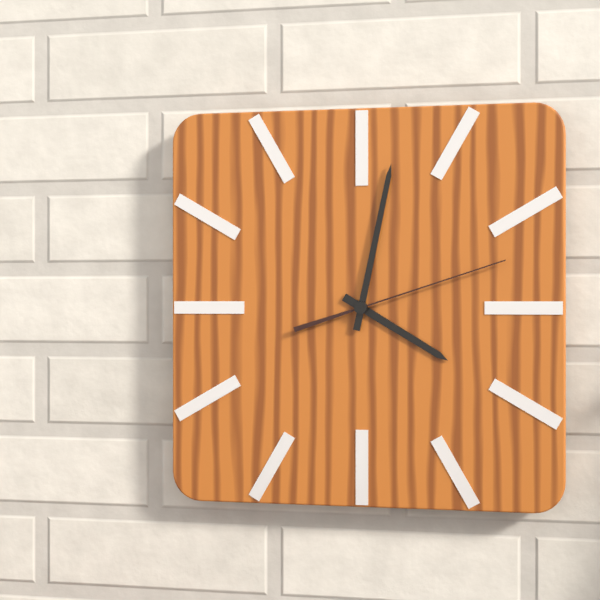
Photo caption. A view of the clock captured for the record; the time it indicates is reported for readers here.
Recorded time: 4:02:12
